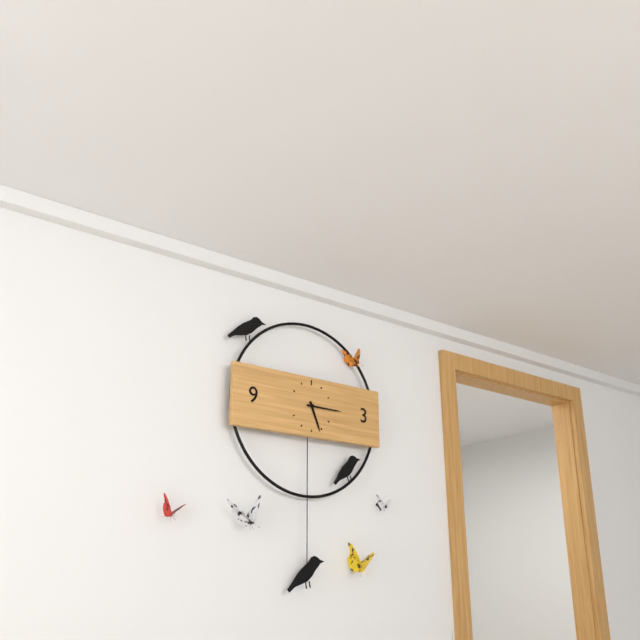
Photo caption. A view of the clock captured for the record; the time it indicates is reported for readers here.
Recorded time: 5:15
